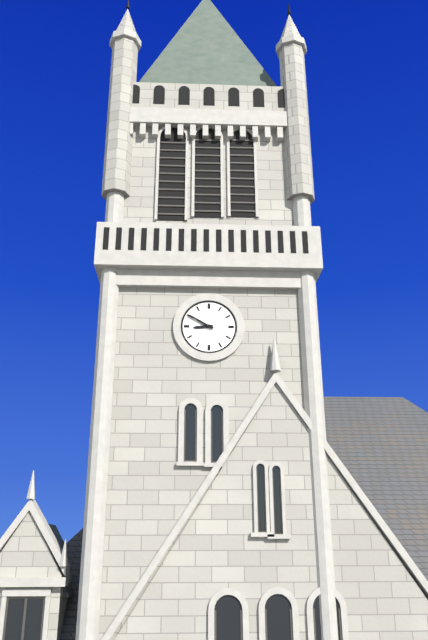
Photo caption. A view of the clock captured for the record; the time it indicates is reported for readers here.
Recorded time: 8:50
